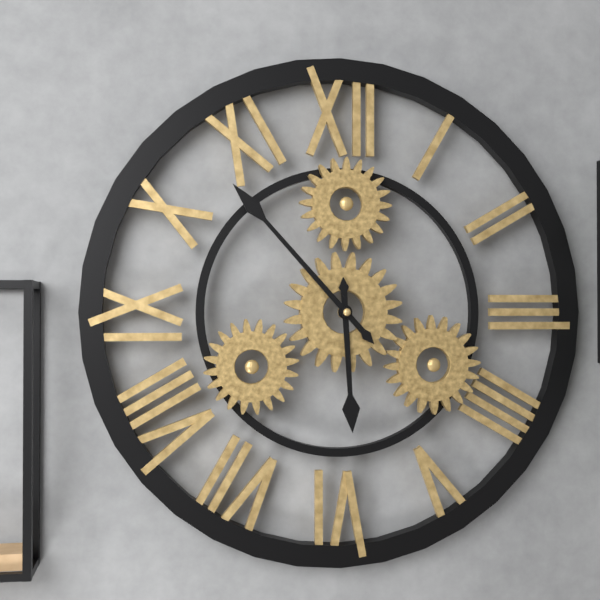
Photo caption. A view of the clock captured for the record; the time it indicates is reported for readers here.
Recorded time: 5:53
